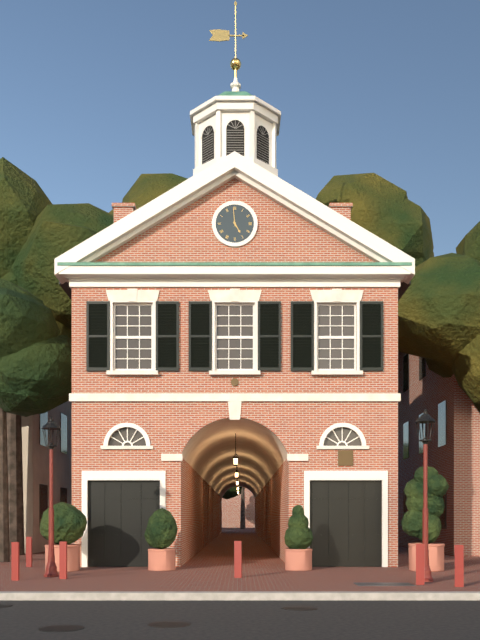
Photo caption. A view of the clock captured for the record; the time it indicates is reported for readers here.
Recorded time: 4:59
